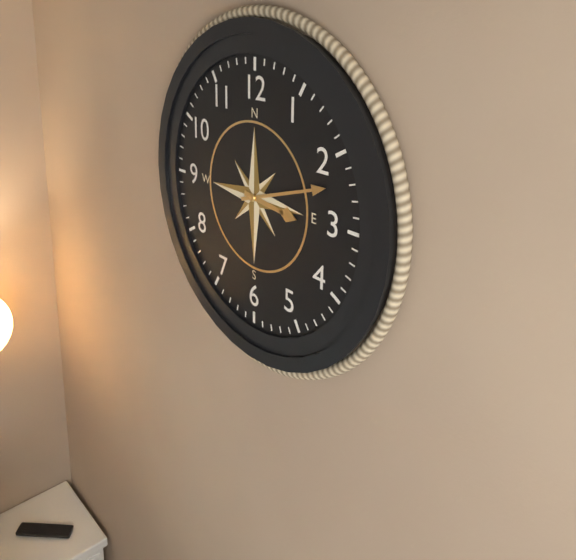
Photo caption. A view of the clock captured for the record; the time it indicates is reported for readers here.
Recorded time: 3:12
